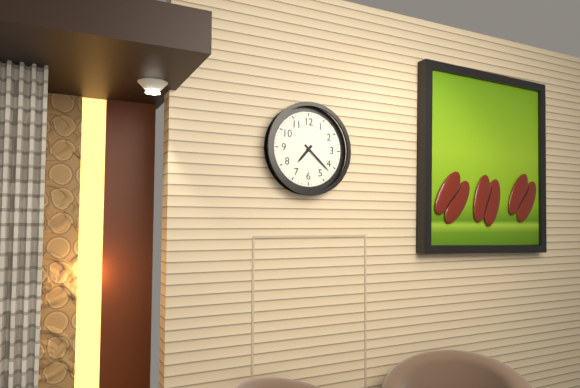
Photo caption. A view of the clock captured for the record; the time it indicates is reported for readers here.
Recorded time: 7:22
